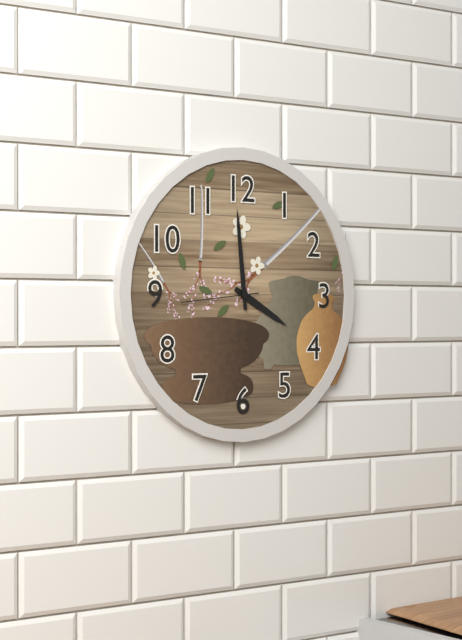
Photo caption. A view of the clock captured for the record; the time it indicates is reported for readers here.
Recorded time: 3:59:44
